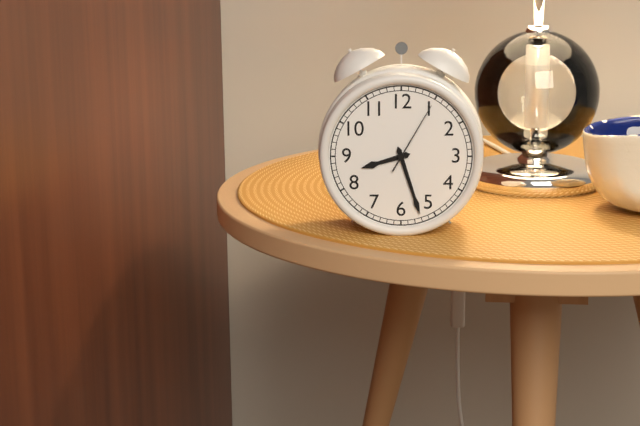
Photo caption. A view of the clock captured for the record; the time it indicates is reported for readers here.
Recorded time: 8:27:05
